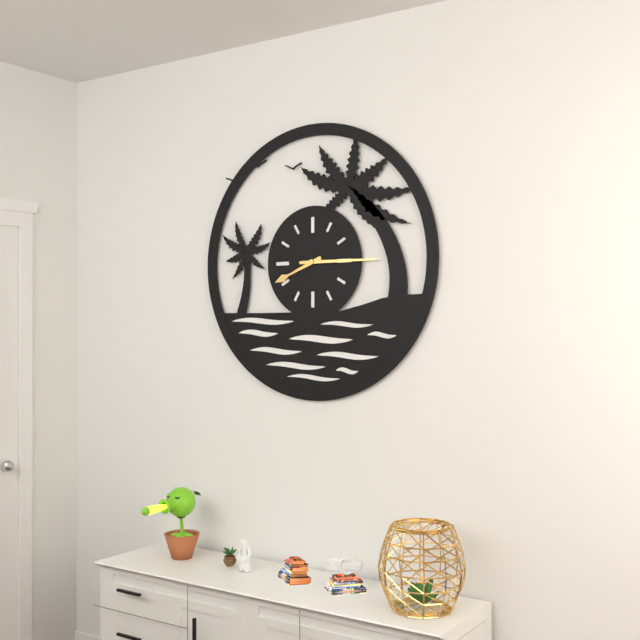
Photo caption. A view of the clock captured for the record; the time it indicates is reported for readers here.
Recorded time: 8:15
